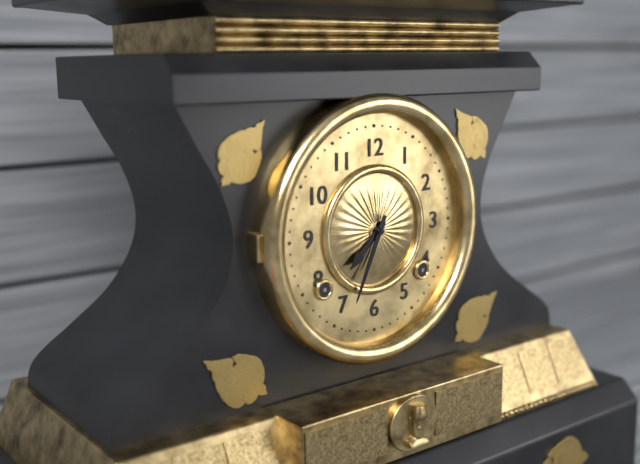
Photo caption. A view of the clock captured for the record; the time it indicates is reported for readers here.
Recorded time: 7:34
